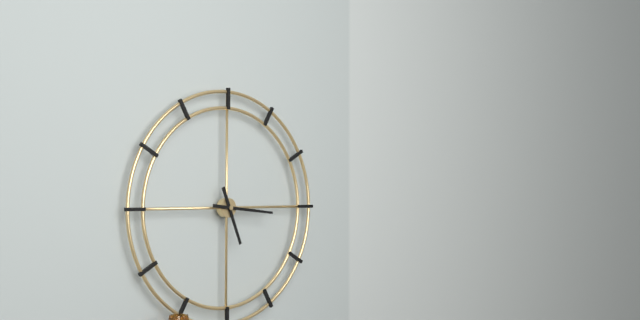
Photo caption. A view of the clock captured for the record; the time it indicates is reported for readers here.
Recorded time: 5:16
